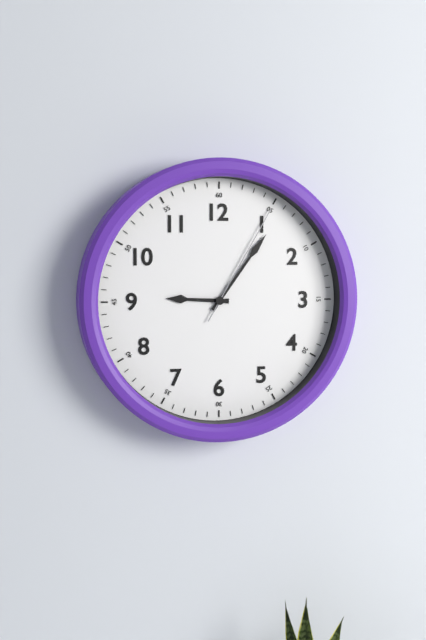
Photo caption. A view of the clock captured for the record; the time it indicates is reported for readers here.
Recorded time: 9:06:05
